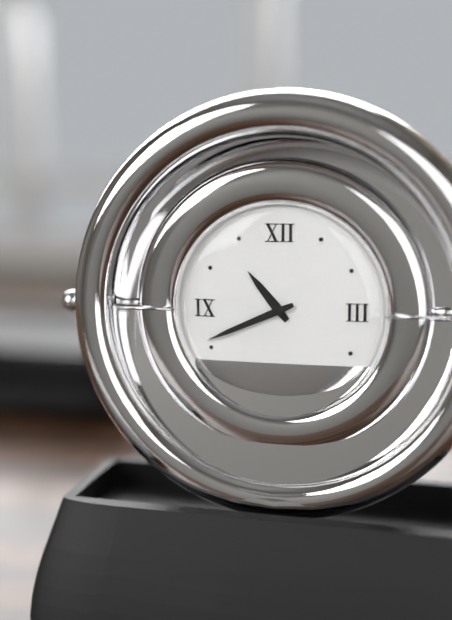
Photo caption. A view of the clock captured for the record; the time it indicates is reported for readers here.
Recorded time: 10:41
